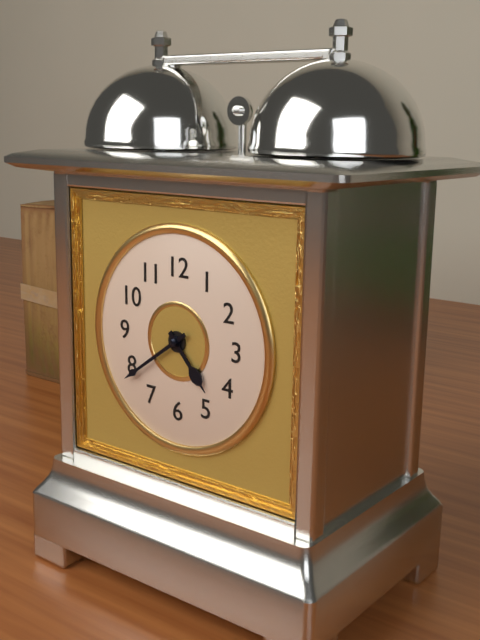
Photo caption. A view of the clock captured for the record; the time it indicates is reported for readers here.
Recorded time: 4:39
